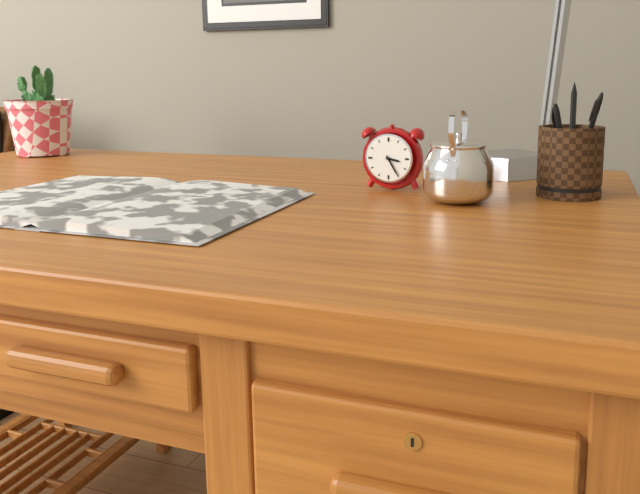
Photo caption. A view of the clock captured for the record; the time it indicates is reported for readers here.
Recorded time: 3:25
